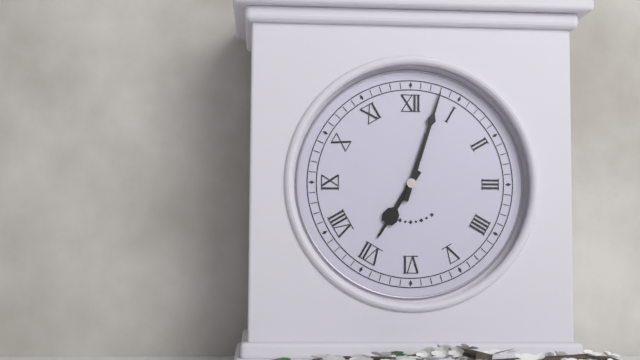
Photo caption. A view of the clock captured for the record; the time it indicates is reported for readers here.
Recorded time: 7:03
